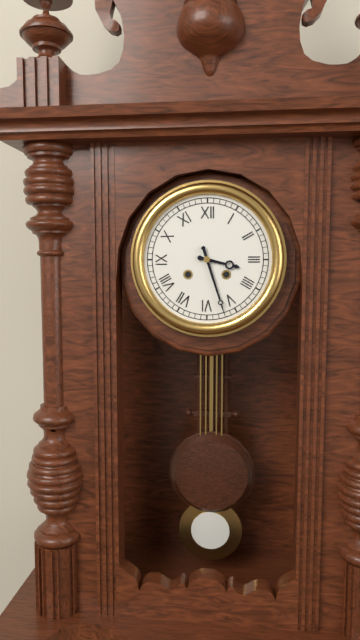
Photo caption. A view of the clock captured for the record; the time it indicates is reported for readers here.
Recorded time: 3:27
